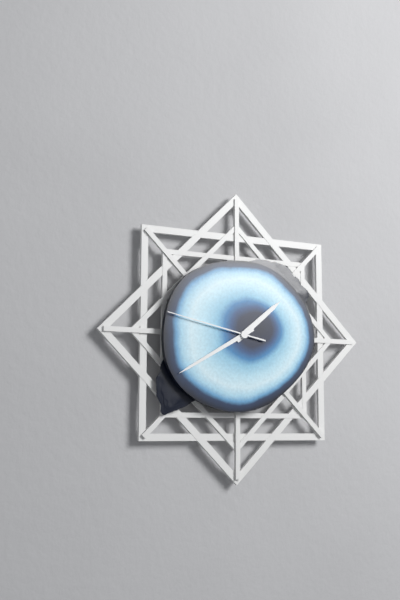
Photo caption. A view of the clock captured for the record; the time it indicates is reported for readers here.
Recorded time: 1:40:47
